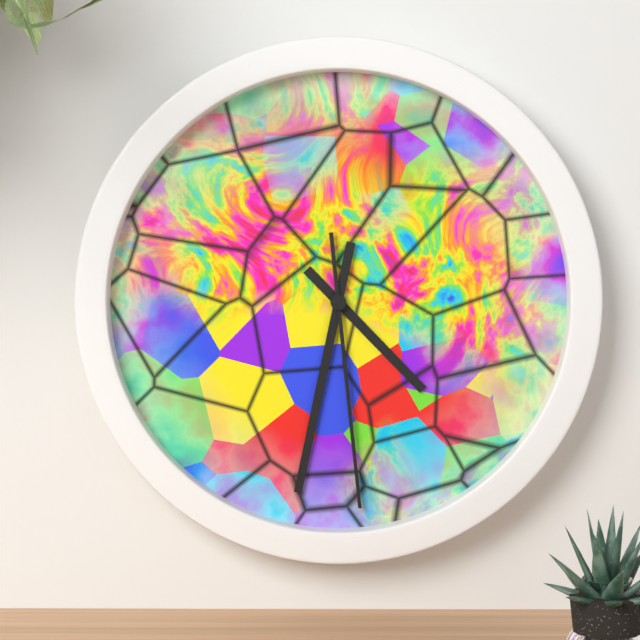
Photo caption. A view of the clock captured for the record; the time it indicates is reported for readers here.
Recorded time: 4:32:29
